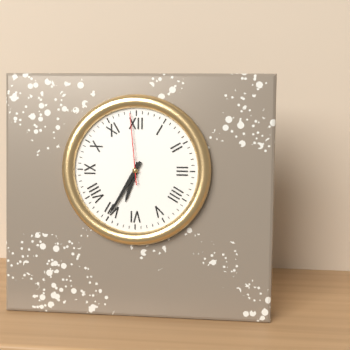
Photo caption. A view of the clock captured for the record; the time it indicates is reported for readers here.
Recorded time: 6:35:59
